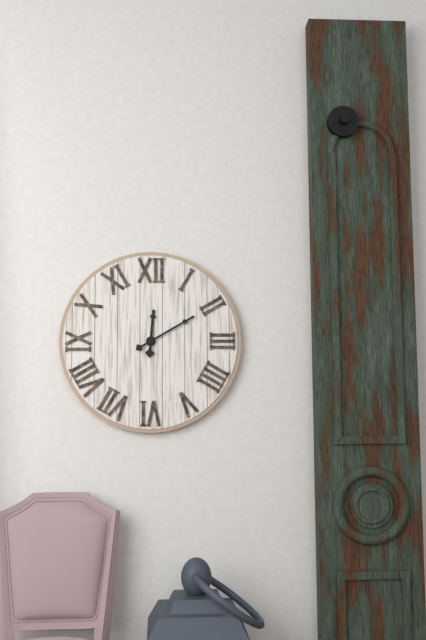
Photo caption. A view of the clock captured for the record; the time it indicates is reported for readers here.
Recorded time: 12:10
